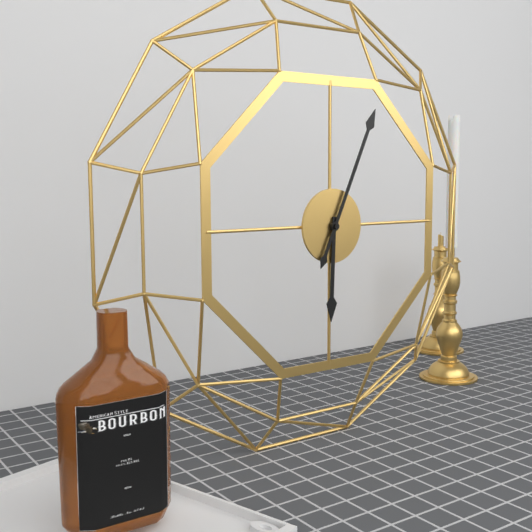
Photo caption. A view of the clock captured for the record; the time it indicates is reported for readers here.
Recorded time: 6:04
